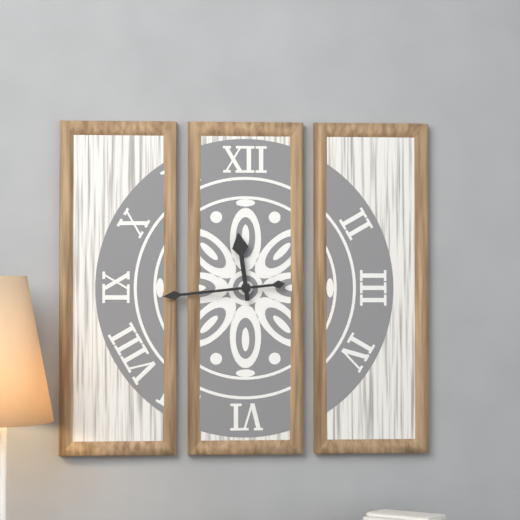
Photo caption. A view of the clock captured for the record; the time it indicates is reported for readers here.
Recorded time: 11:44
